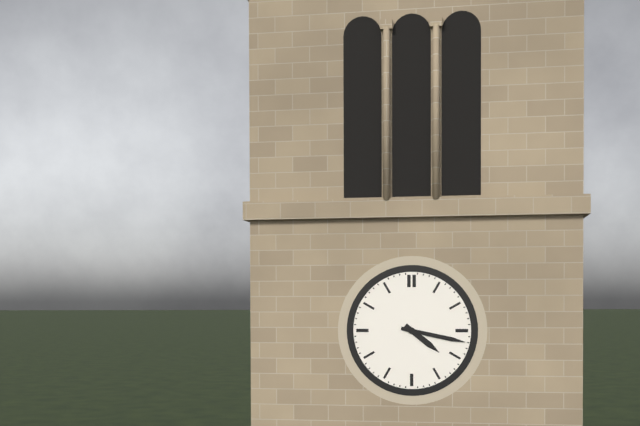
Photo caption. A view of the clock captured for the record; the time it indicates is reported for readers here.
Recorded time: 4:17
